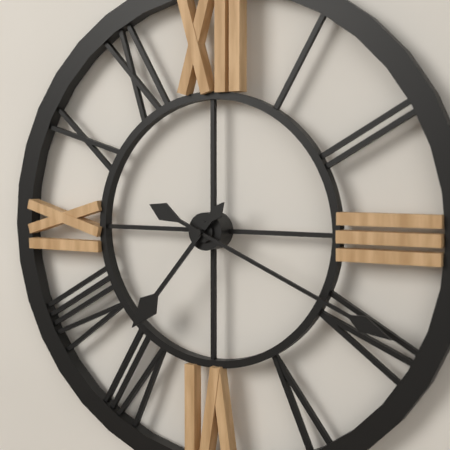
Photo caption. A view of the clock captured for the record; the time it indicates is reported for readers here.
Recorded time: 7:19
